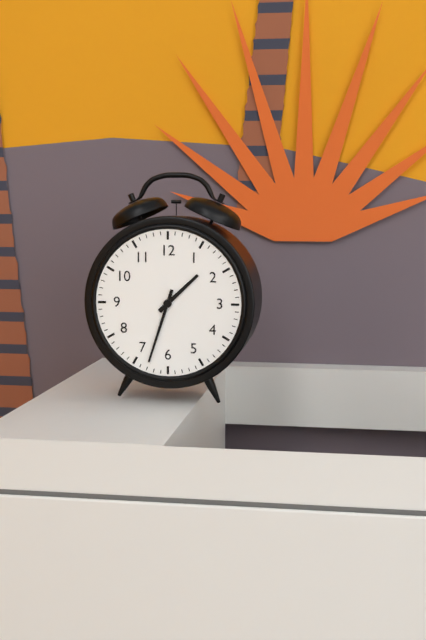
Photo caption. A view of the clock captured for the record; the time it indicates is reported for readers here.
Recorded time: 1:33
